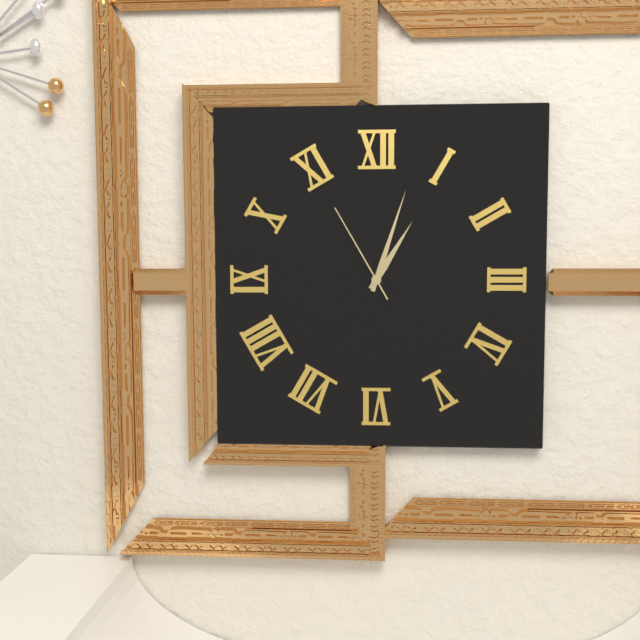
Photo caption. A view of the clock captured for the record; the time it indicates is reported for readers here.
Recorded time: 1:03:55
